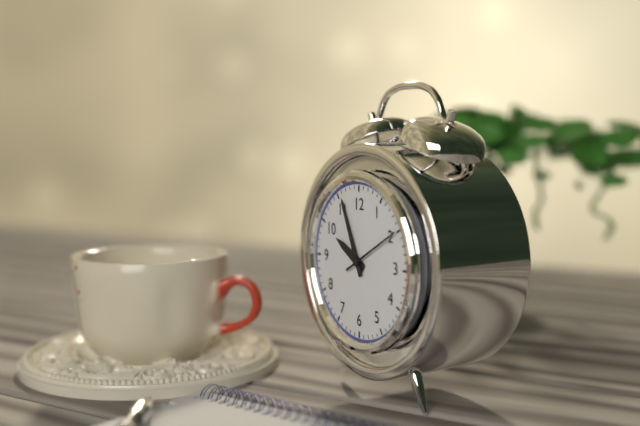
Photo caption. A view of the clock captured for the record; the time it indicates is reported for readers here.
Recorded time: 9:56:10
